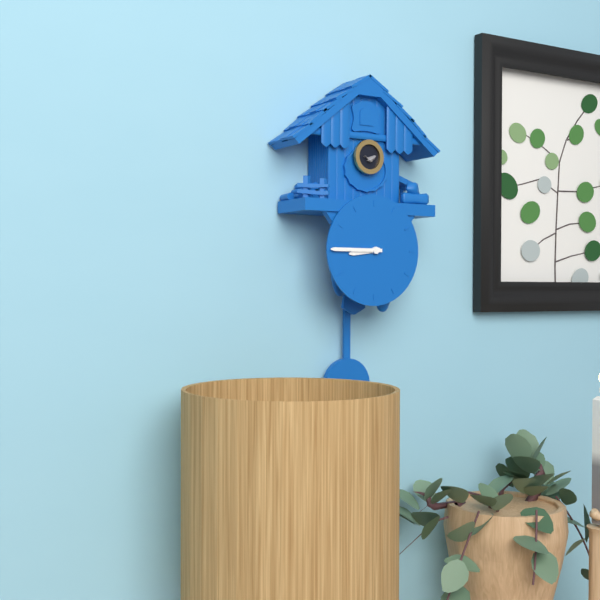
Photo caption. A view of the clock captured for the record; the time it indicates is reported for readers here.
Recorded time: 8:45
